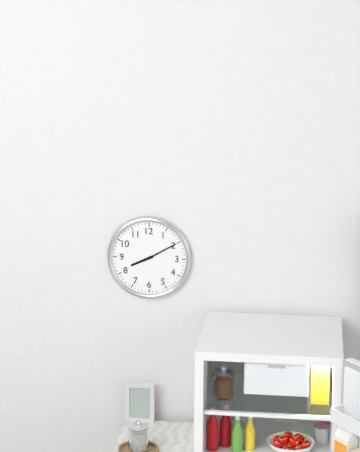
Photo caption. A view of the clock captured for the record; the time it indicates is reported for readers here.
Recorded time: 8:10
